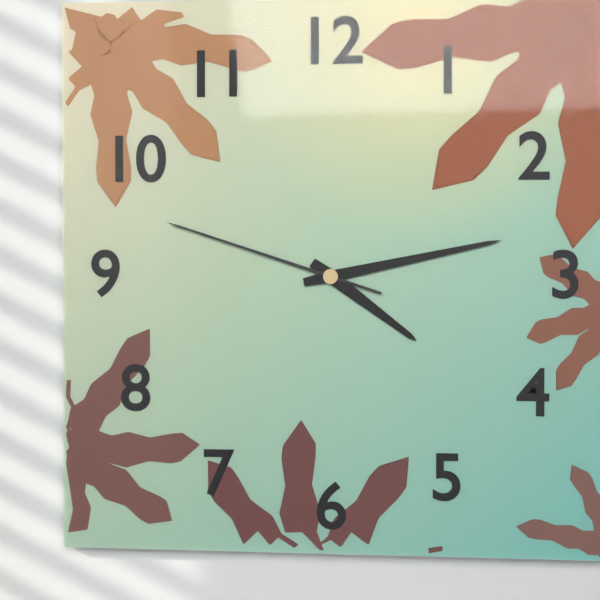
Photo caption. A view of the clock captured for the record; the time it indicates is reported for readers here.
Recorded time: 4:13:48
